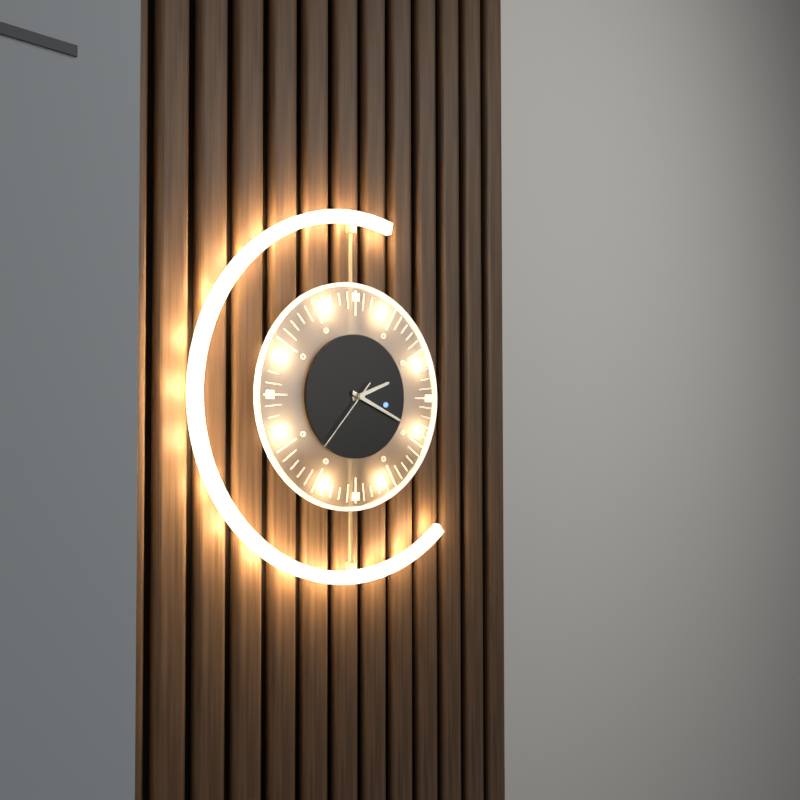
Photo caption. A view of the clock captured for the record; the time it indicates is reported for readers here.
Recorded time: 2:19:37
